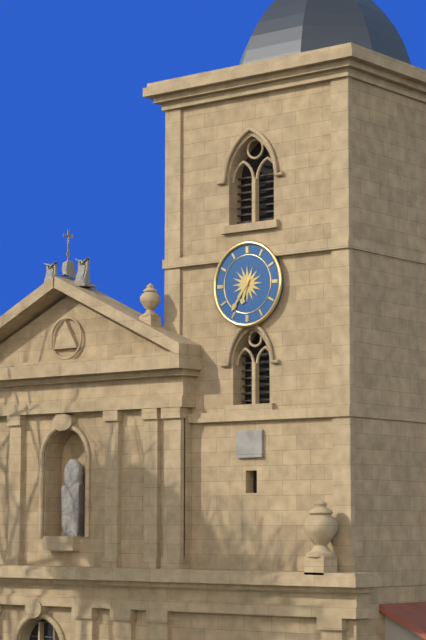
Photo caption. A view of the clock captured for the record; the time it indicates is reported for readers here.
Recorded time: 6:36
